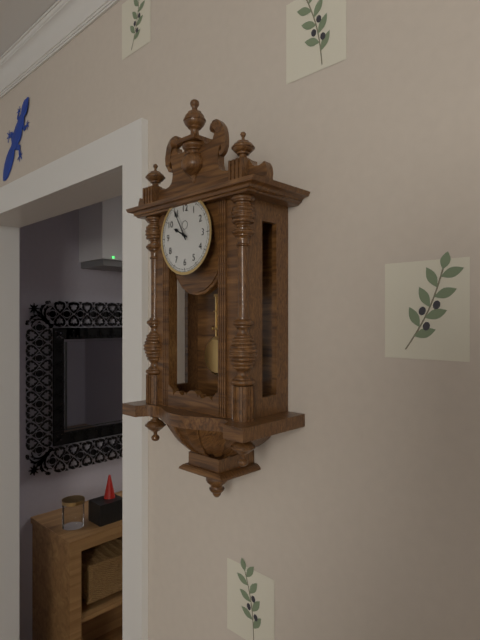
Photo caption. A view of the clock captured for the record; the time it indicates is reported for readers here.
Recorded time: 9:55
